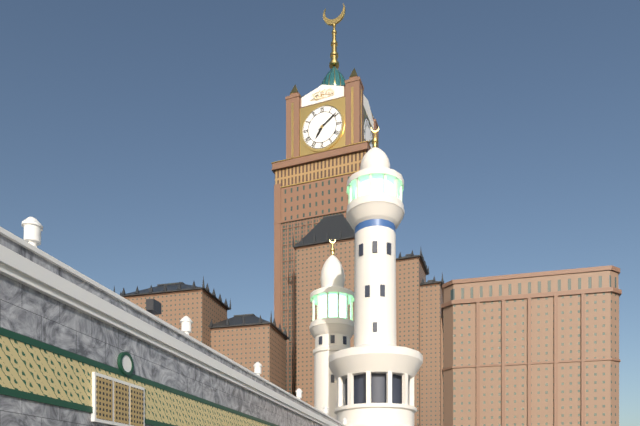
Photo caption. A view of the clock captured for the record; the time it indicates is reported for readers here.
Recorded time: 7:09
